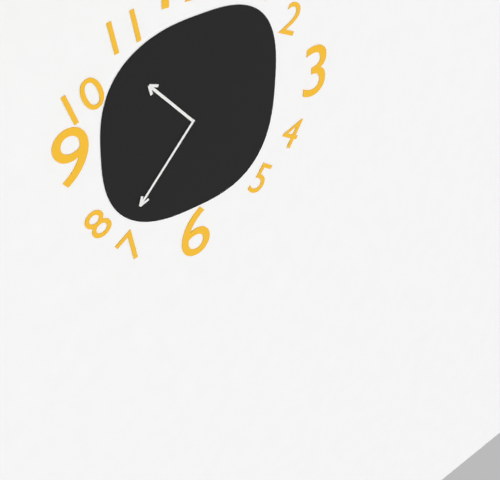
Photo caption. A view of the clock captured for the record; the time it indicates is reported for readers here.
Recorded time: 10:37
